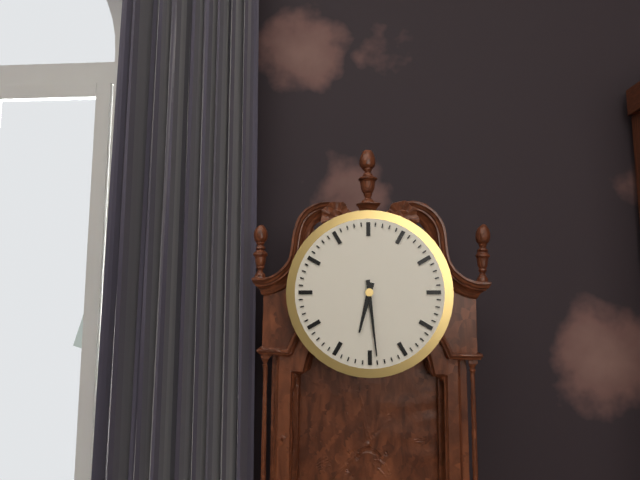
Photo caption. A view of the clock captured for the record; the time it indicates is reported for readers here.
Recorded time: 6:29
